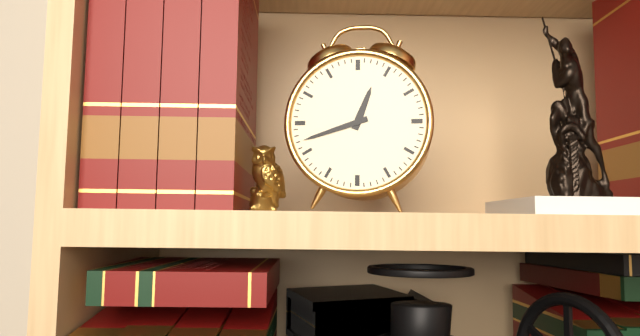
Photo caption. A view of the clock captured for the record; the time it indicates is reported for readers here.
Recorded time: 12:42
